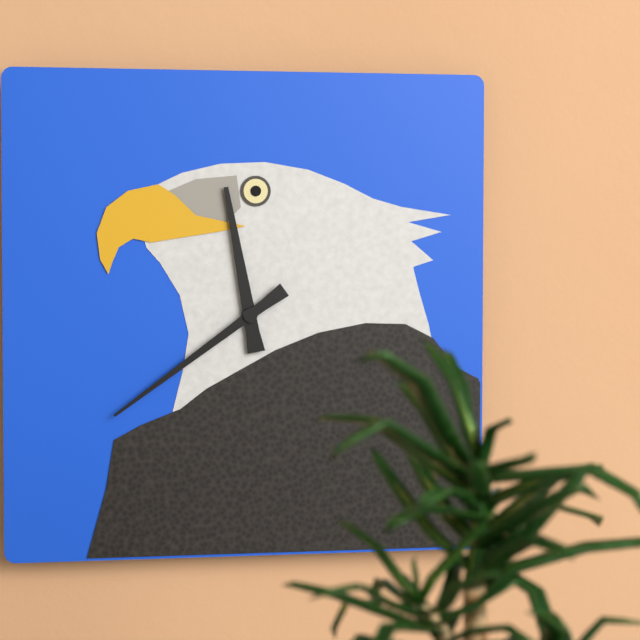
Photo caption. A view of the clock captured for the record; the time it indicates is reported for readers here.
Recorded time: 11:39
